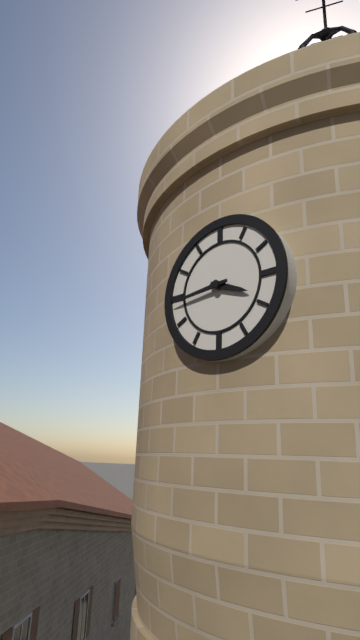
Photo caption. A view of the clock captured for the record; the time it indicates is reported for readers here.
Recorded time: 3:44
